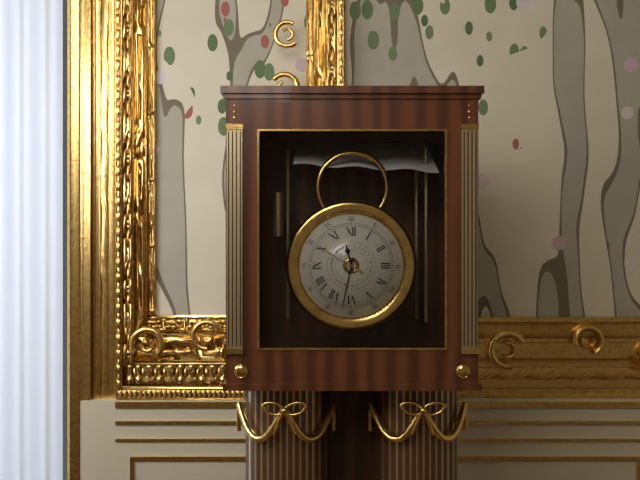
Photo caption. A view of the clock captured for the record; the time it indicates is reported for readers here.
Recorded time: 11:32:50
